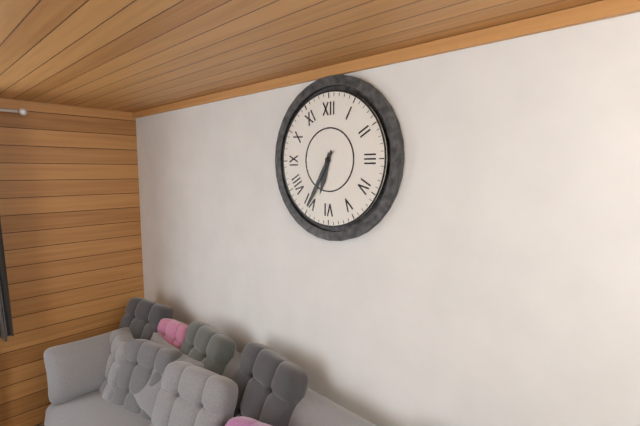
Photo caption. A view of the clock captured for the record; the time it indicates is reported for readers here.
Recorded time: 6:35
